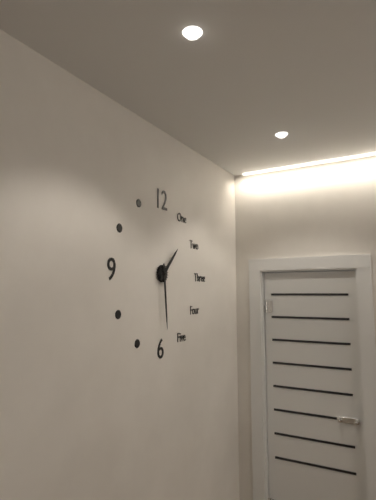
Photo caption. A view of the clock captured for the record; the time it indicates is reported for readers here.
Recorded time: 1:29
